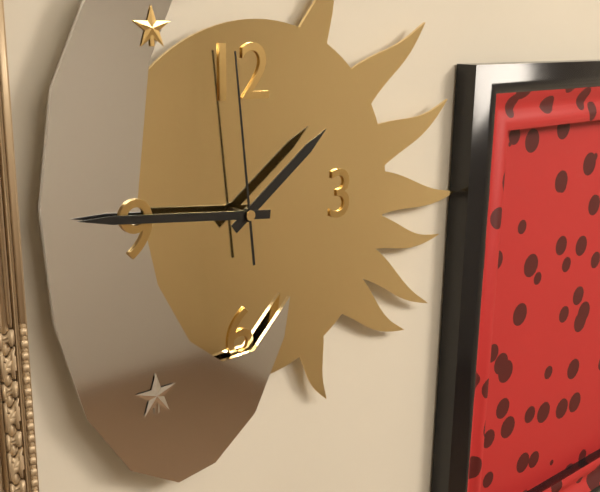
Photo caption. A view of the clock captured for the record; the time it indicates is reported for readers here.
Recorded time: 1:46:59
